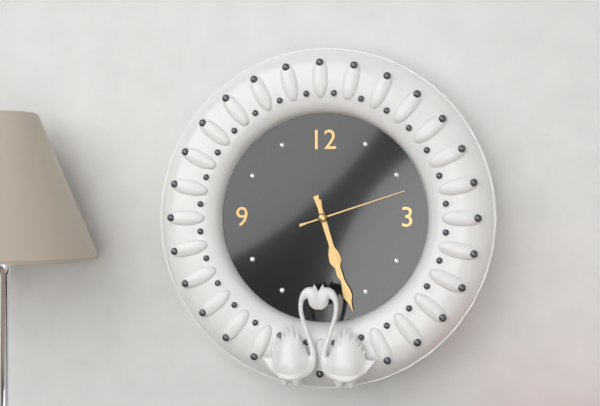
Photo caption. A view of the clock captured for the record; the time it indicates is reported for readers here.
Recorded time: 5:27:12
